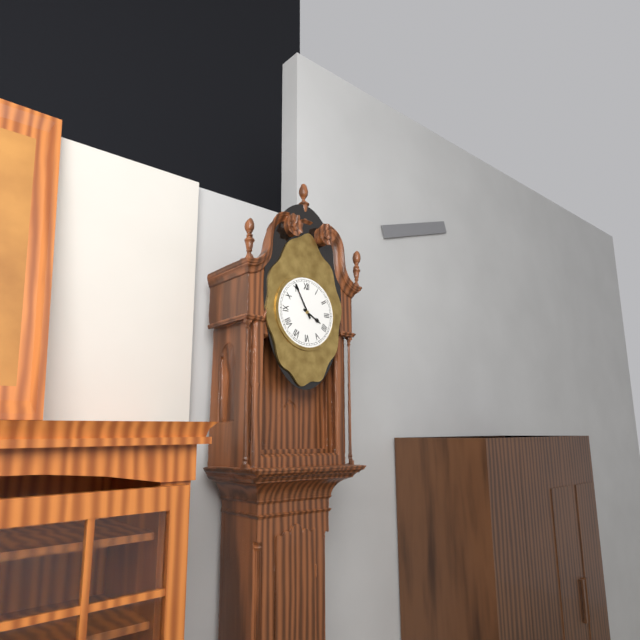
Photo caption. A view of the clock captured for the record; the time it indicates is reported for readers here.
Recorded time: 3:55
